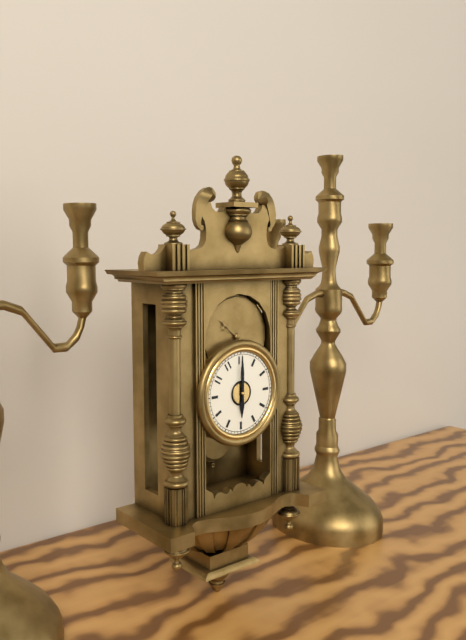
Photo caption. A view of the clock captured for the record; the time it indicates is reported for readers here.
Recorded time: 6:00
